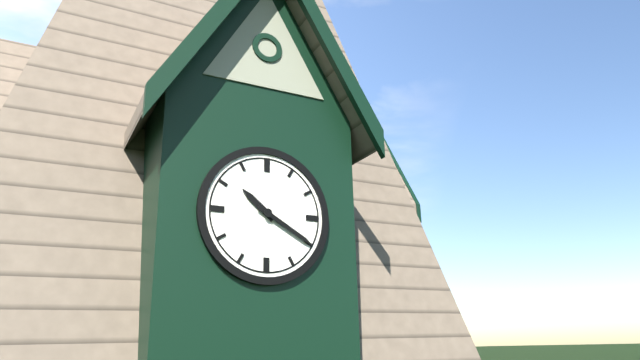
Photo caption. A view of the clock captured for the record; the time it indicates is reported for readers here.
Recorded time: 10:20
